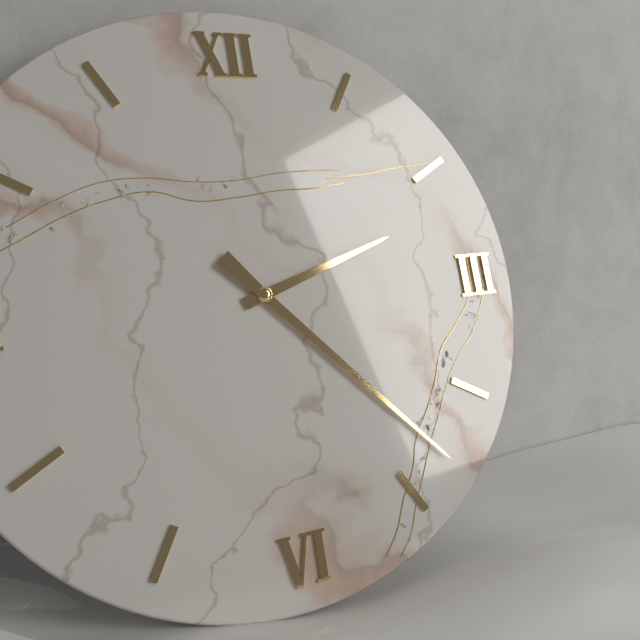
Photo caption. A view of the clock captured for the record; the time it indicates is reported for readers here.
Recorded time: 2:23
